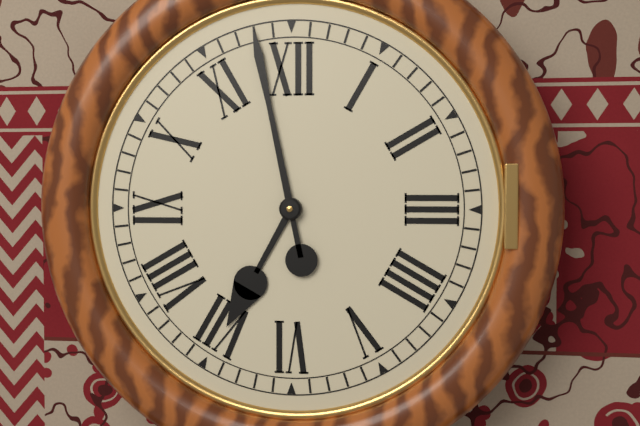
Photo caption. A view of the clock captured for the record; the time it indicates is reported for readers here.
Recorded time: 6:58
